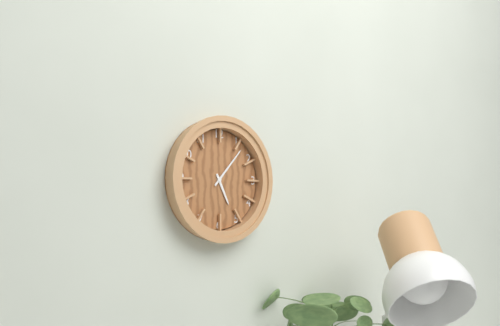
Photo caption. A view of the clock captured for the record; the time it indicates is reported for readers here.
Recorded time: 5:07
